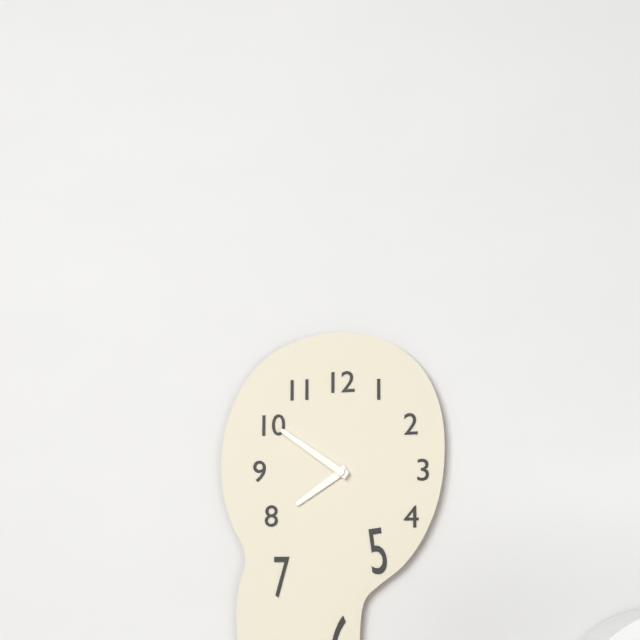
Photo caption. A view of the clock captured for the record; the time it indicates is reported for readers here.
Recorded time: 7:51
